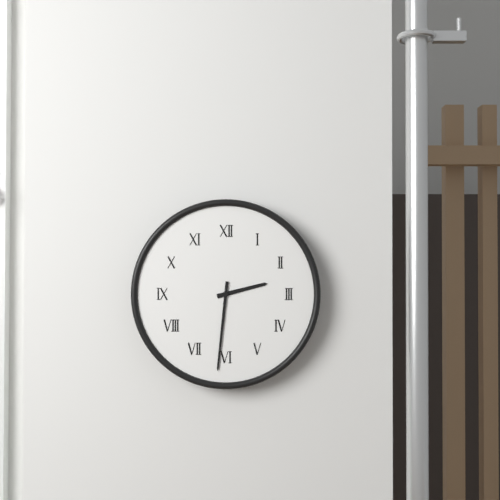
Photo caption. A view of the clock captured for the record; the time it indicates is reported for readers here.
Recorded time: 2:31
